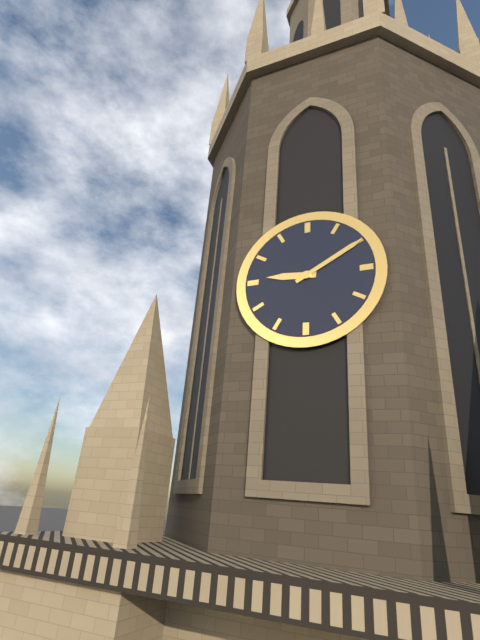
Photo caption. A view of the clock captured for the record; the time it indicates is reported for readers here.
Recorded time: 9:10
